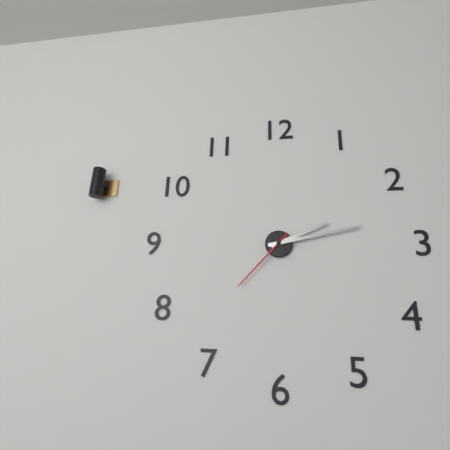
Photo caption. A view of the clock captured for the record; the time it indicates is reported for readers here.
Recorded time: 2:13:37
